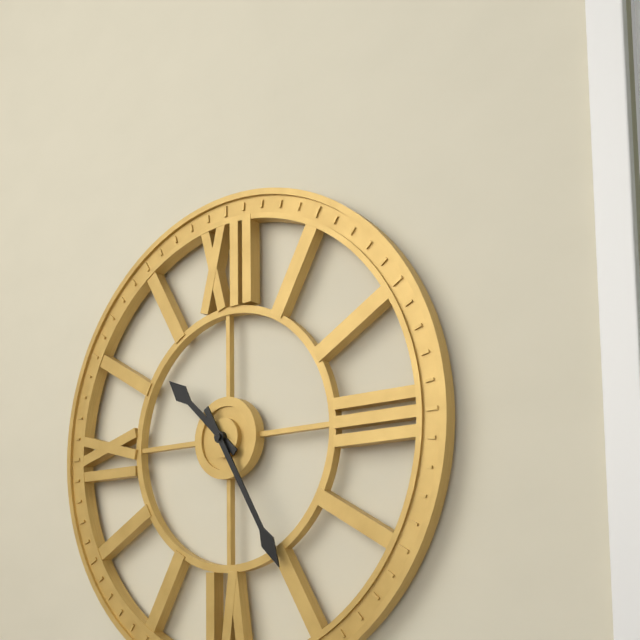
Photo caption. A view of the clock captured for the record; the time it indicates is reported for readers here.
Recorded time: 10:25
